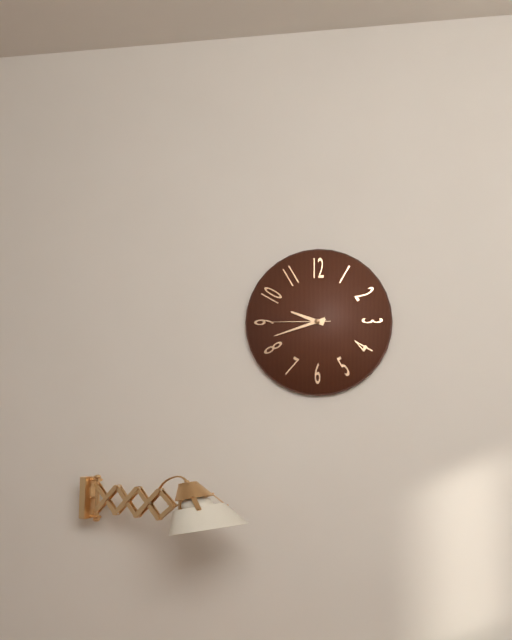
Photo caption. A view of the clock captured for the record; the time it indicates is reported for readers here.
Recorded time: 9:42:45
